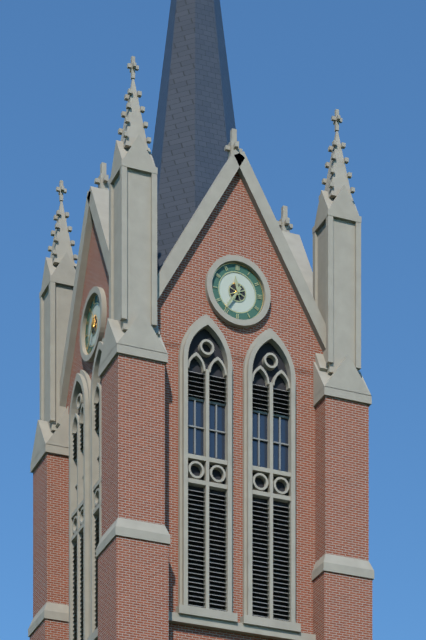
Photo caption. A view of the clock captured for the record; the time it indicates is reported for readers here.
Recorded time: 11:36
